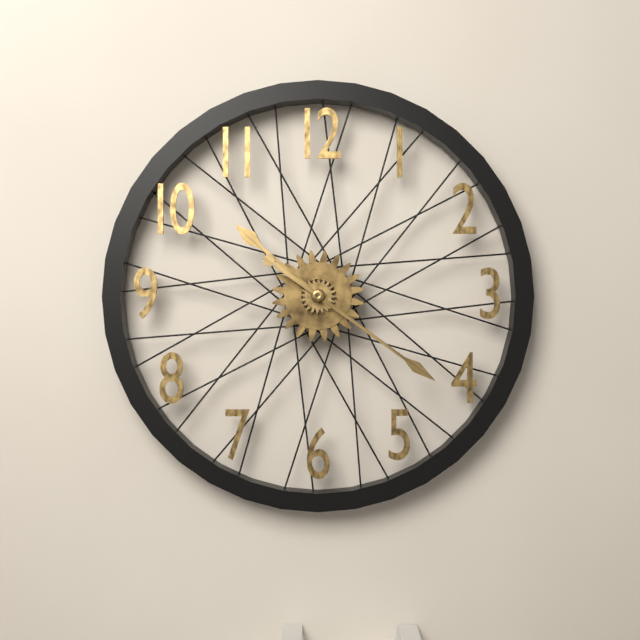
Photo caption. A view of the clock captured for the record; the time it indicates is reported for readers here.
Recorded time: 10:21
